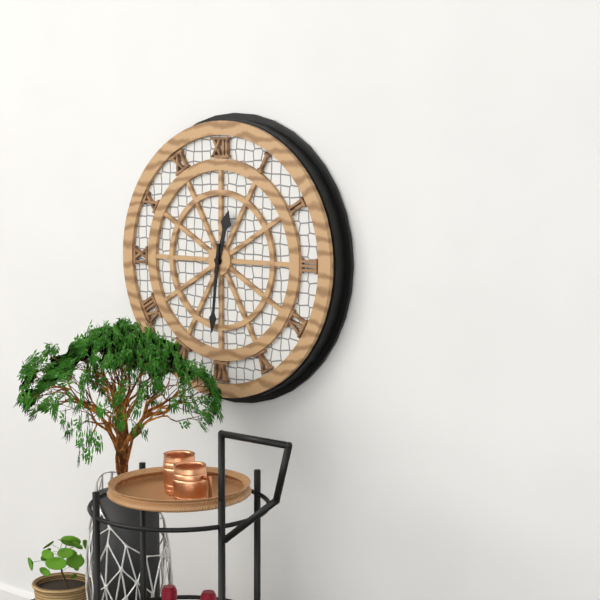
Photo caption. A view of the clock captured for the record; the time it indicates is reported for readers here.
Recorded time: 12:31
